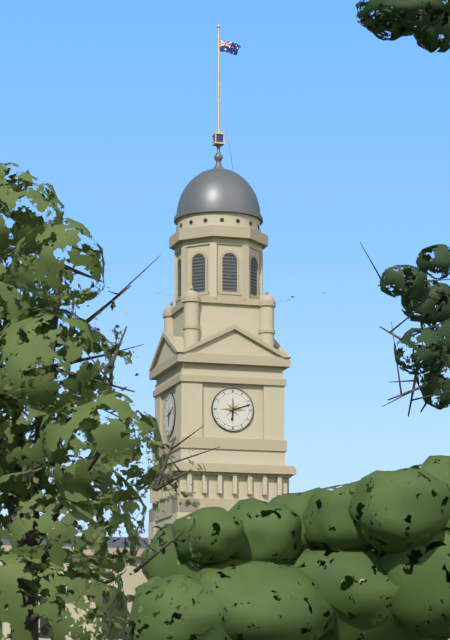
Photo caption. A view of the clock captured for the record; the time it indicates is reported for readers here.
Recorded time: 6:12
